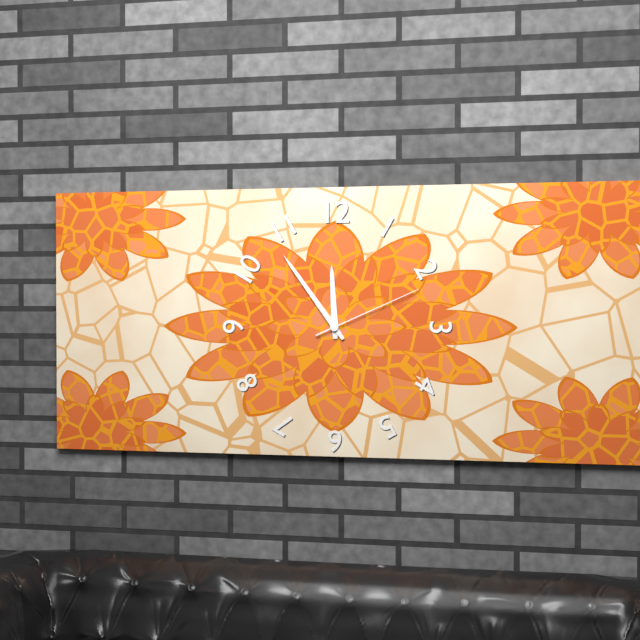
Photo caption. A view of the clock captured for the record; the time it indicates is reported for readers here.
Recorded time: 11:54:11
